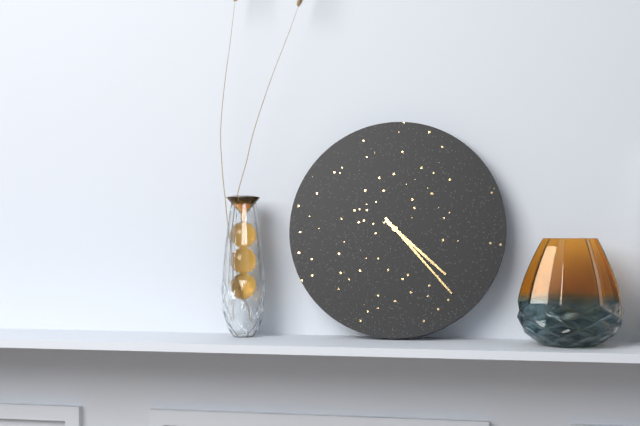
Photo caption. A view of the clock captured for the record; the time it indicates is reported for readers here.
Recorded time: 4:23
